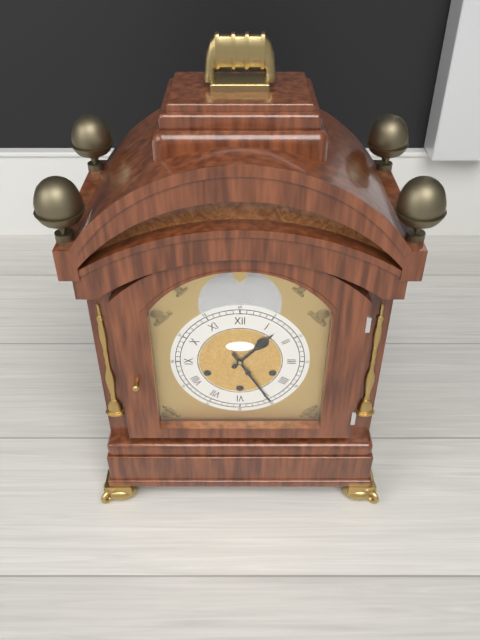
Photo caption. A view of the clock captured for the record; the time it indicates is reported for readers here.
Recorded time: 1:25
